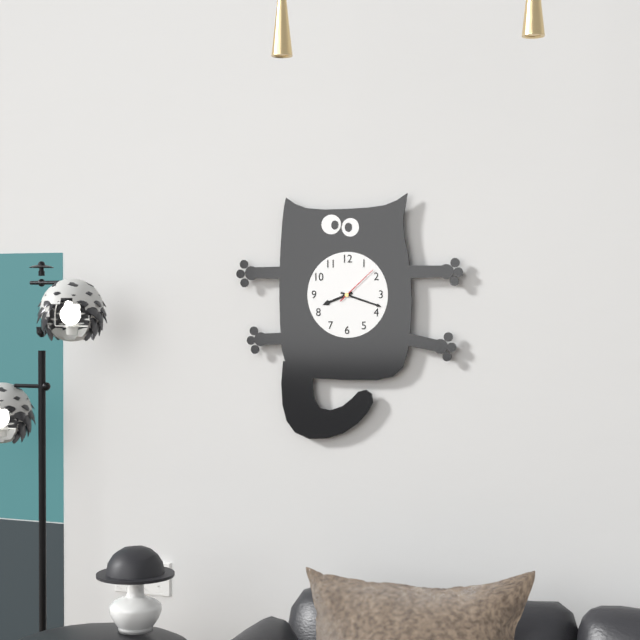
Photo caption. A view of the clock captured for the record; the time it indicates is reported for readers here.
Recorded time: 8:18
